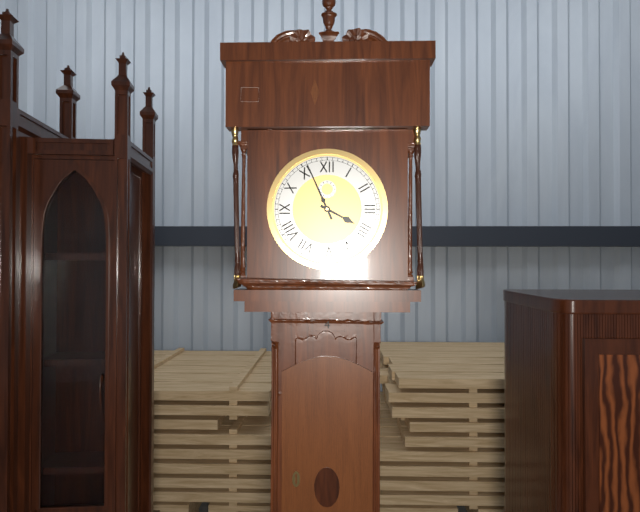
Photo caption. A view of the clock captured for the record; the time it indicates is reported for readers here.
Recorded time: 3:56
